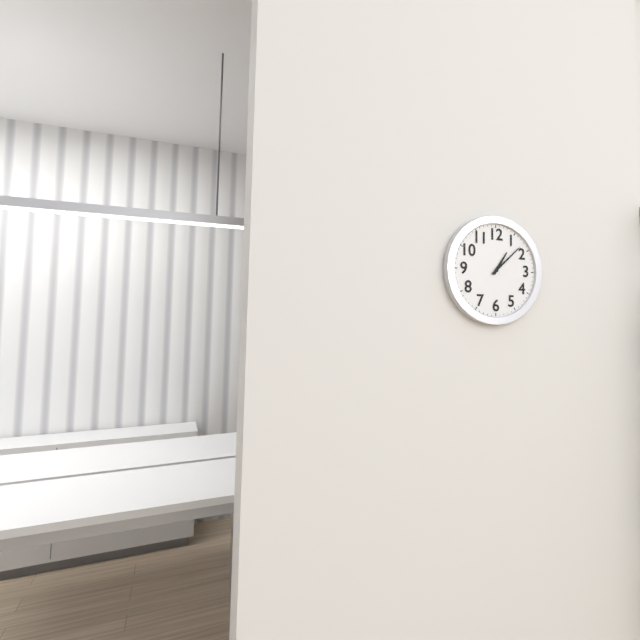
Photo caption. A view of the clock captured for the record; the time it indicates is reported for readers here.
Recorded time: 1:08
